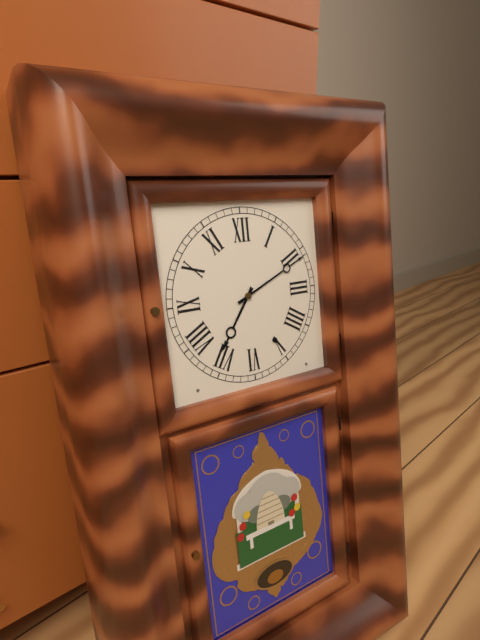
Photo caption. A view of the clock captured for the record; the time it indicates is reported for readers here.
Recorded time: 7:11
